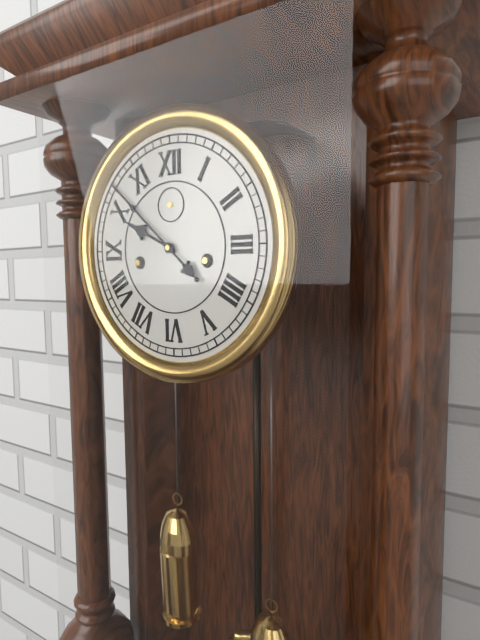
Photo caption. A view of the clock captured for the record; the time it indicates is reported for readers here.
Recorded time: 9:52
